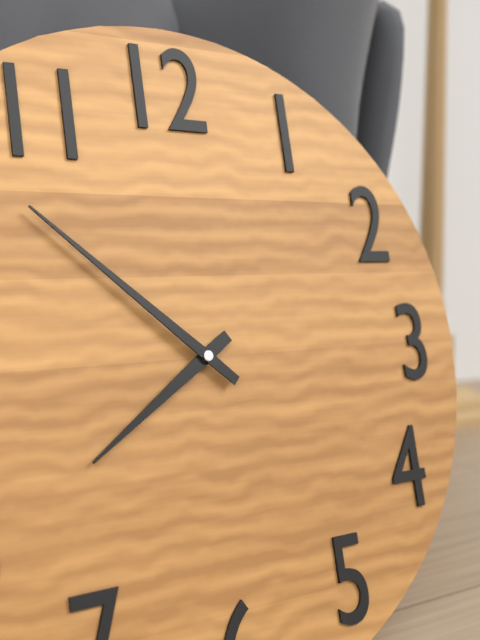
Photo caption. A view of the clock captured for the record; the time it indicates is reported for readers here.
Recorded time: 7:52
